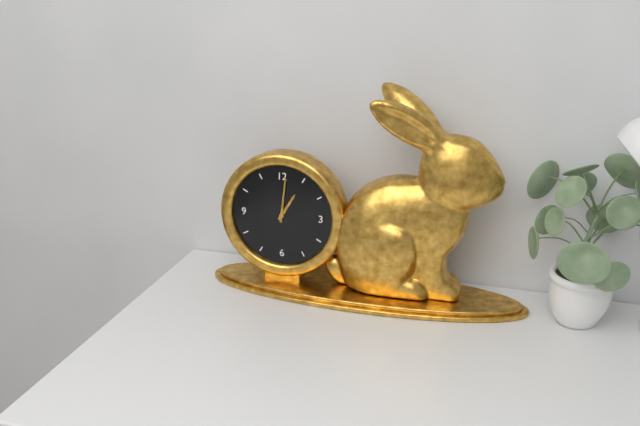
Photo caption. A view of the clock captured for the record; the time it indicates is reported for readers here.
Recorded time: 1:01
